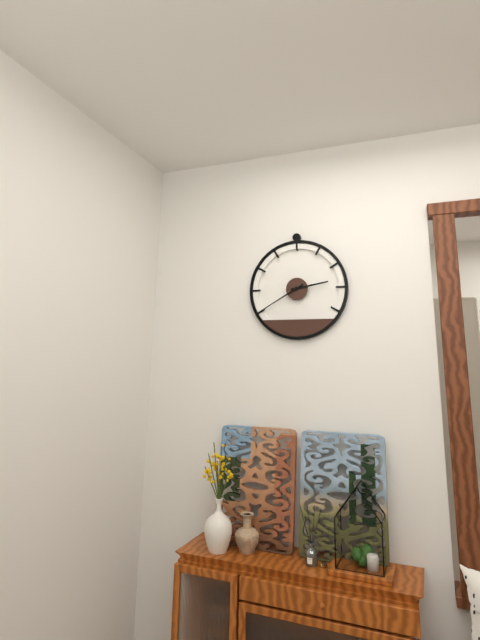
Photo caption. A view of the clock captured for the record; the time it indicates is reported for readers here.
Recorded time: 2:40
